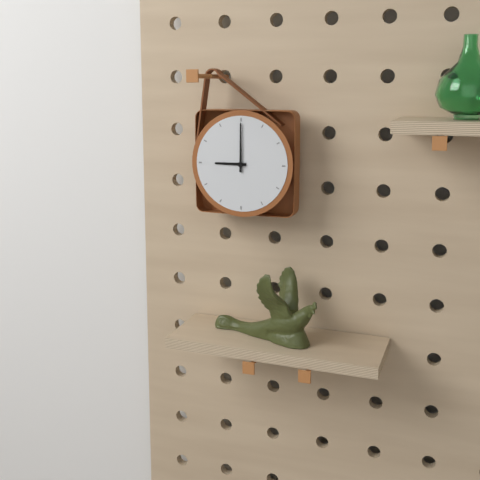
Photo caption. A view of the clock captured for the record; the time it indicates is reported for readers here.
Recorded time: 9:00
